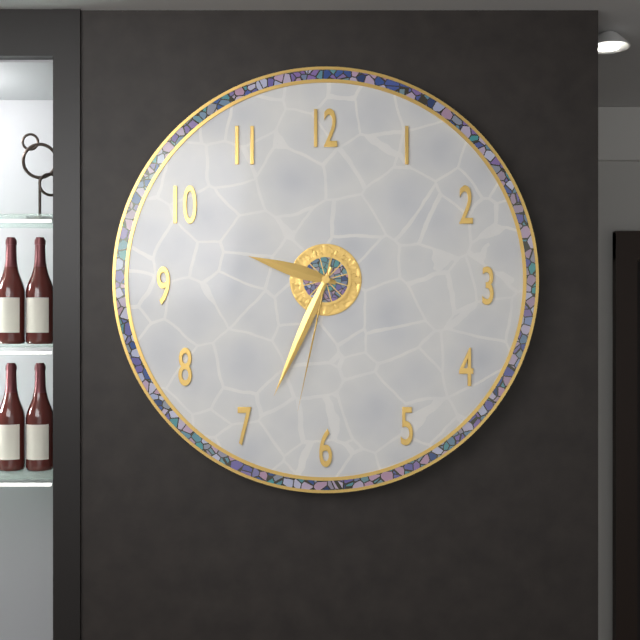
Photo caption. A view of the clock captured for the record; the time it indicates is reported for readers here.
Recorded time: 9:34:32
